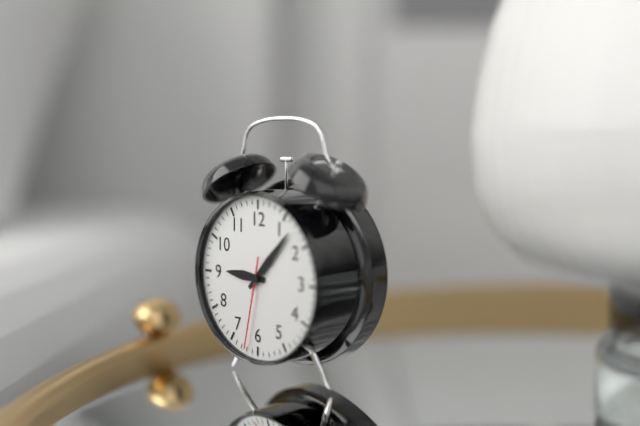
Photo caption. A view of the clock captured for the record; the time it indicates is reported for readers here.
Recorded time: 9:07:32
